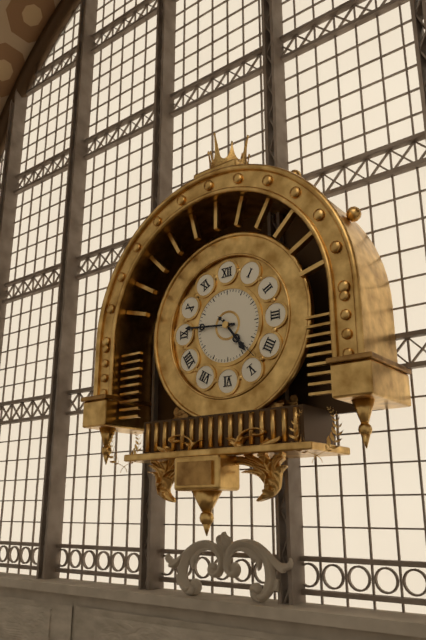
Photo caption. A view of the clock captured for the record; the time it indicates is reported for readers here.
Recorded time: 4:46
